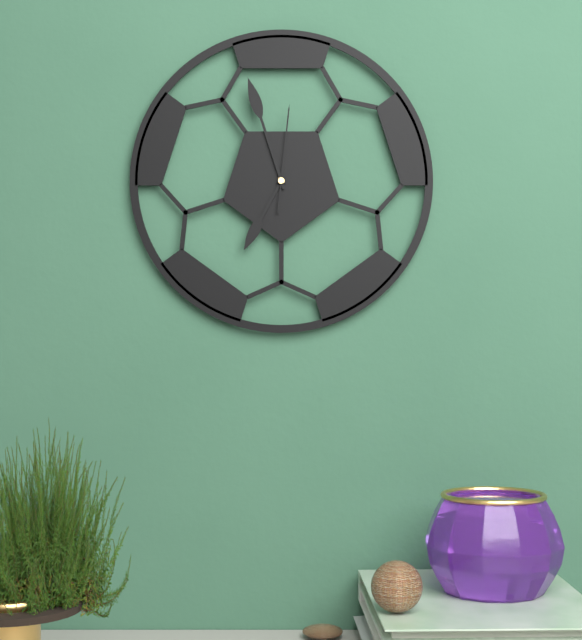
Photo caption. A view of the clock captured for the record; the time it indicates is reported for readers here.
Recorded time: 6:57:01
